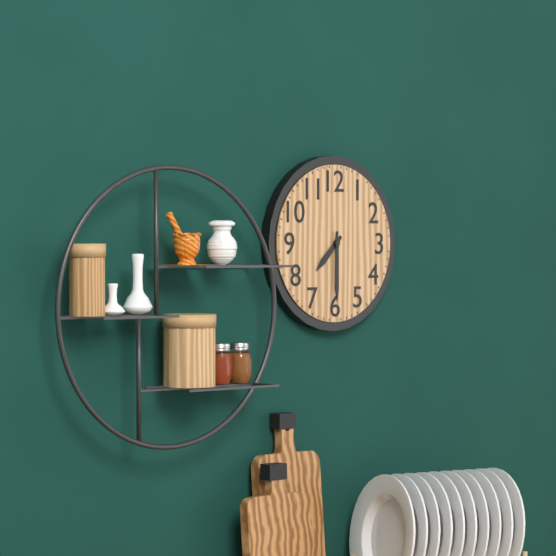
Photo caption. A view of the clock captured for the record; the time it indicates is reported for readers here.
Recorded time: 7:30
